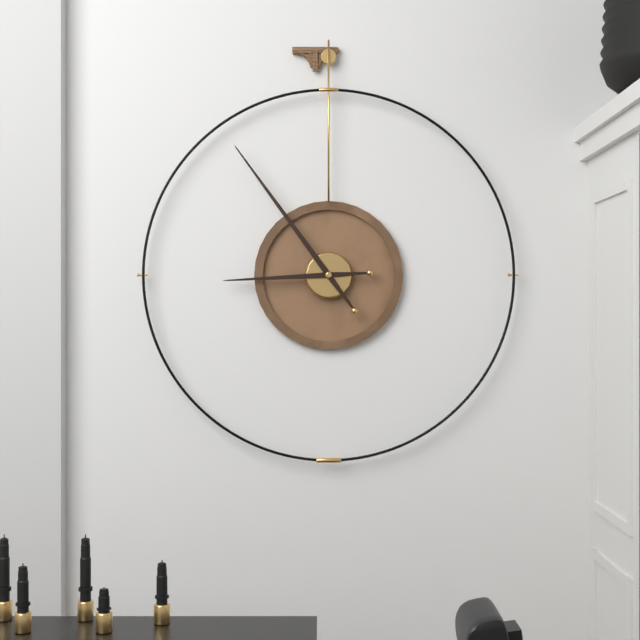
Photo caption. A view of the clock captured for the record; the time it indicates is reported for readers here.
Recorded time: 8:54
